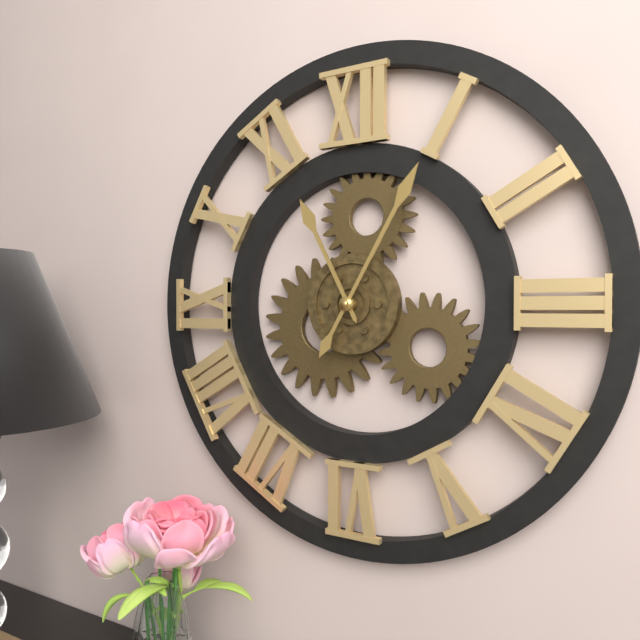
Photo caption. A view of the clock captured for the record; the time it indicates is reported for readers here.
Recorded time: 11:05
